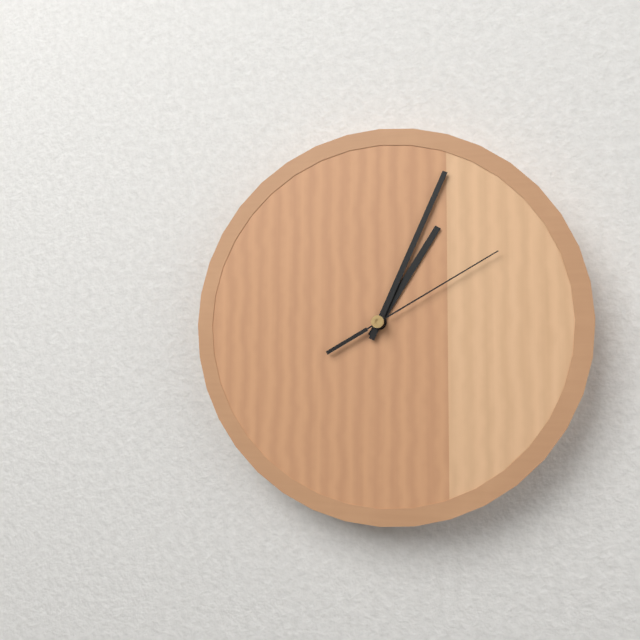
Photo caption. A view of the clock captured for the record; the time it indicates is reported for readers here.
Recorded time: 1:04:10
